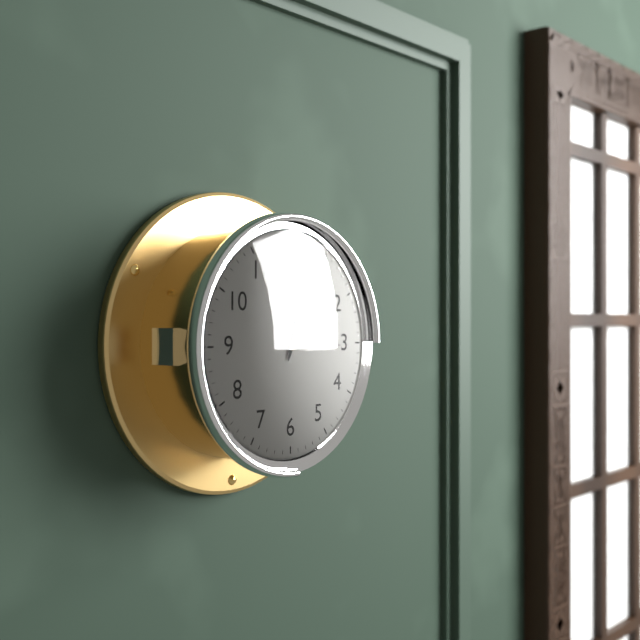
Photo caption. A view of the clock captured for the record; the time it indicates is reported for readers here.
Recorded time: 3:03
